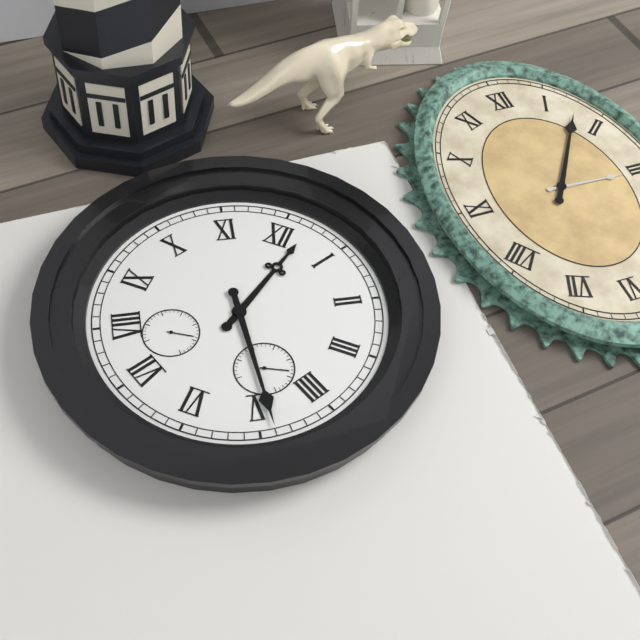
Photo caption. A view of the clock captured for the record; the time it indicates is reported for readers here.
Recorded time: 12:24
